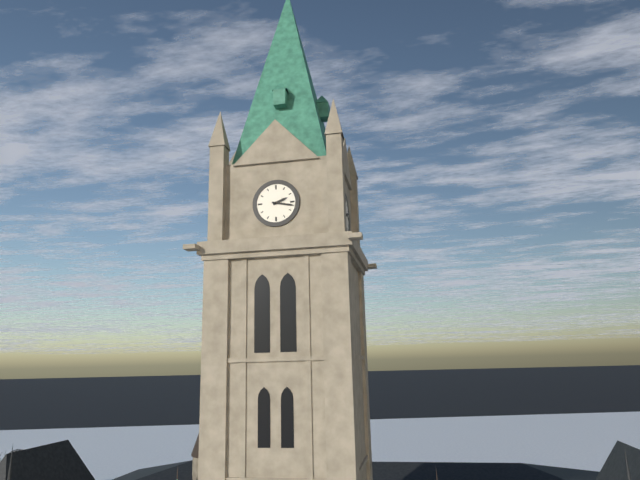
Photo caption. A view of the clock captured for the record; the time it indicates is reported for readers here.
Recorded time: 2:17
